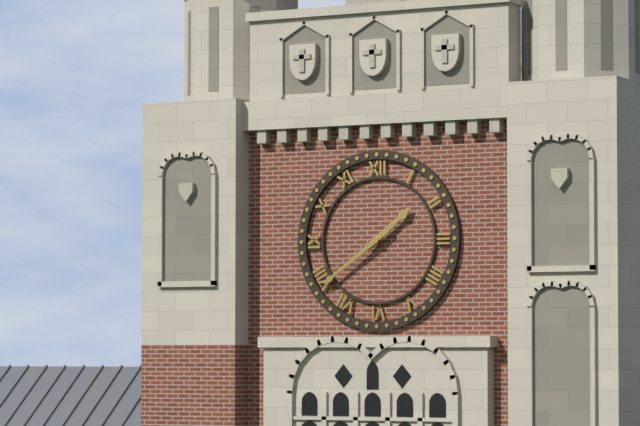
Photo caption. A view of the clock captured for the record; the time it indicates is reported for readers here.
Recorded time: 1:39
